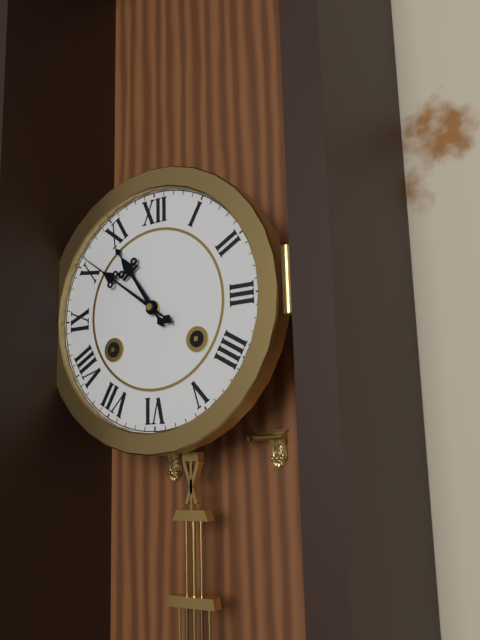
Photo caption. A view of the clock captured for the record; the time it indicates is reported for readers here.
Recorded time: 10:51
